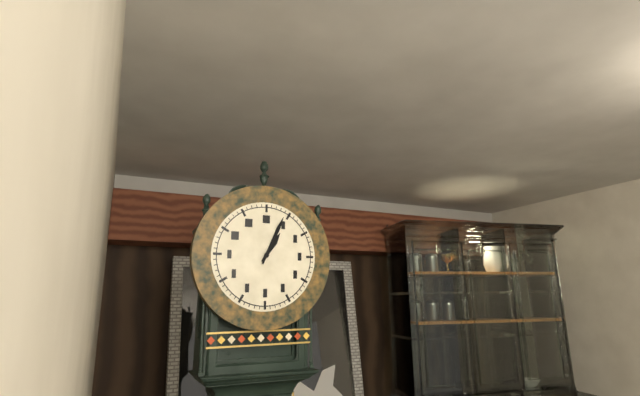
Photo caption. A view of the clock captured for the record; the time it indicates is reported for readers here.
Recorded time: 1:04
